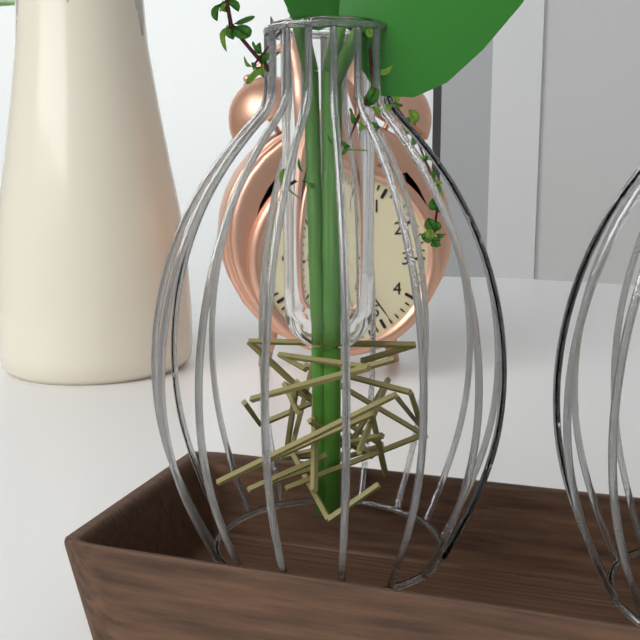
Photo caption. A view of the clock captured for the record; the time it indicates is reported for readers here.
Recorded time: 5:01:24
